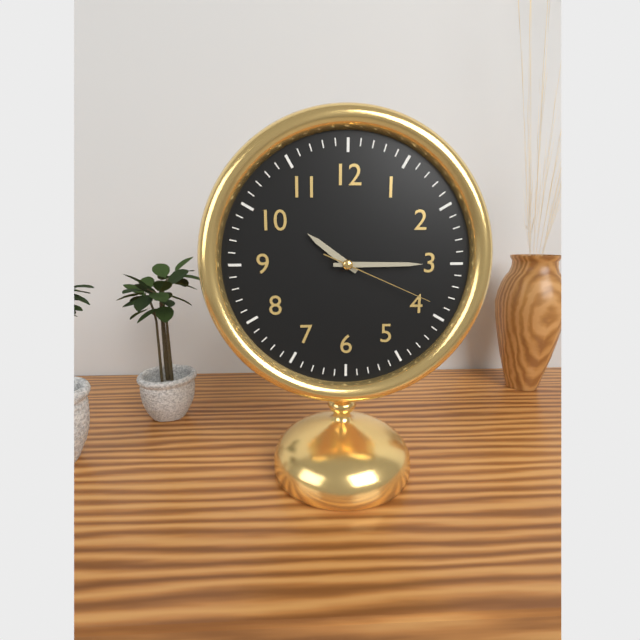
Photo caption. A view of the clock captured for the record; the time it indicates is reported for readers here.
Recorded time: 10:15:19
